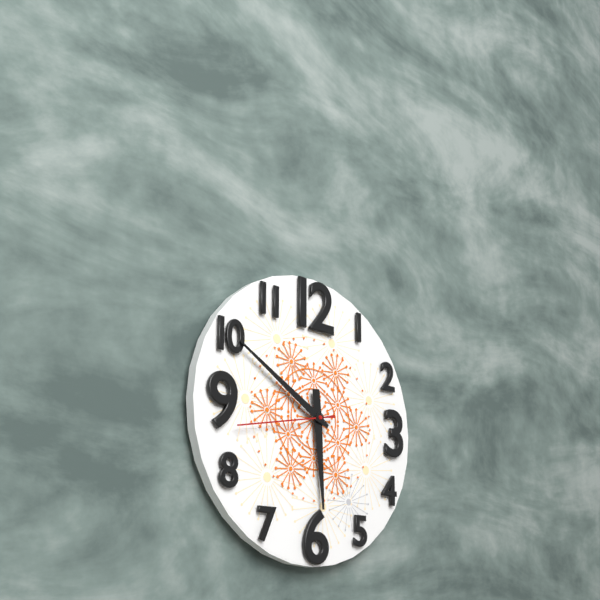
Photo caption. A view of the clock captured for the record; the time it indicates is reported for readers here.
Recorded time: 5:50:43
